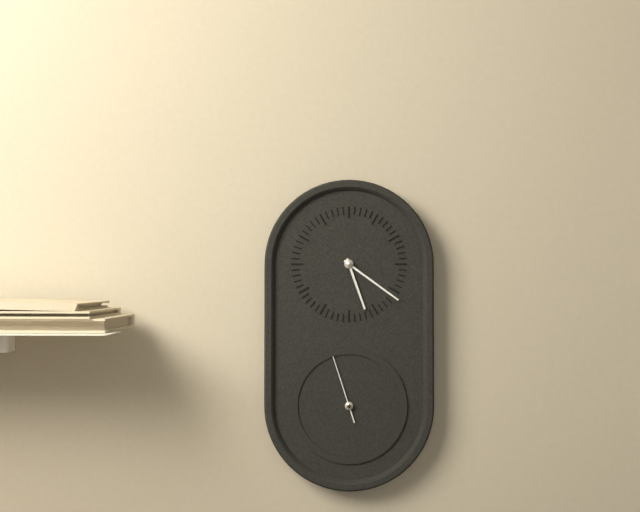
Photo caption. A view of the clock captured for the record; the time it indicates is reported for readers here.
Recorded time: 5:21:57
